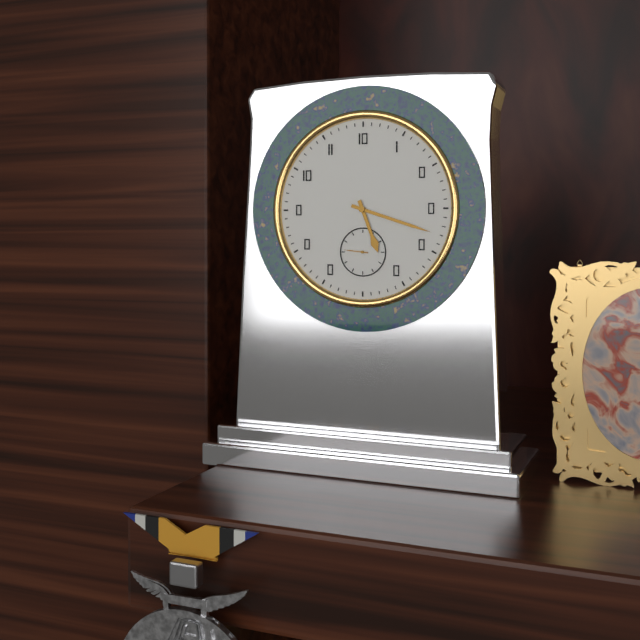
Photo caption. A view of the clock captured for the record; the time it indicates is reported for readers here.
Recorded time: 5:18
